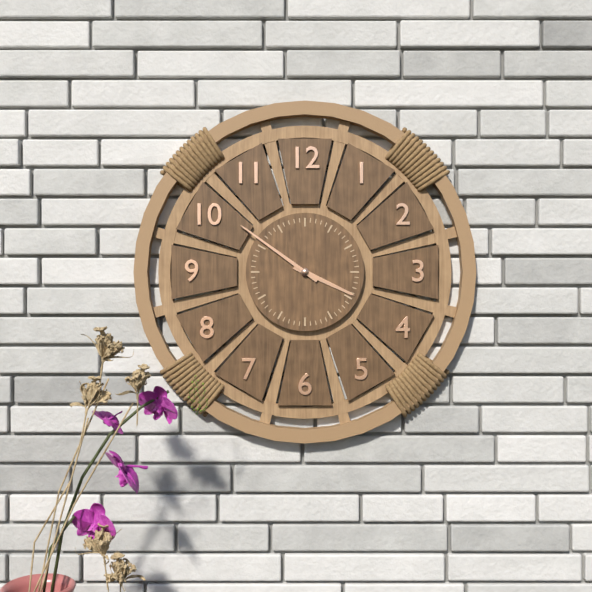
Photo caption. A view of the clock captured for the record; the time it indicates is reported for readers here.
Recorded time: 3:51
